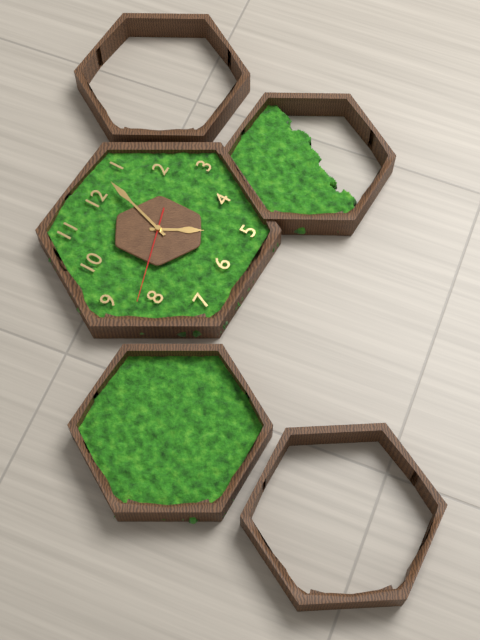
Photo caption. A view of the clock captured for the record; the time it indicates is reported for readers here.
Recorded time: 5:03:42
